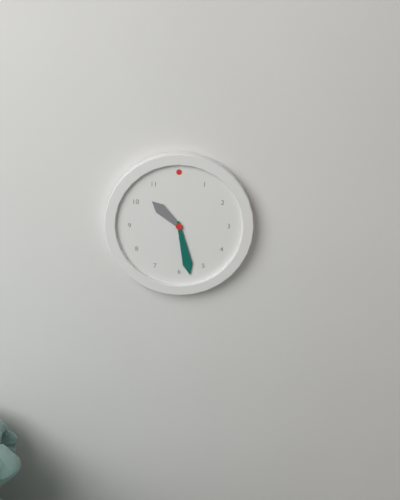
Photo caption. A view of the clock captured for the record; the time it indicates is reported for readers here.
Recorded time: 10:28
